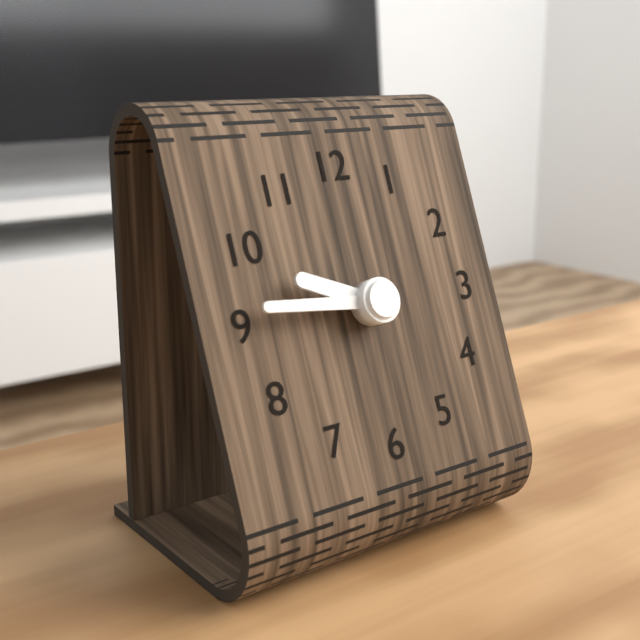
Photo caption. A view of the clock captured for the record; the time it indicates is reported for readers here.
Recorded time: 9:46
